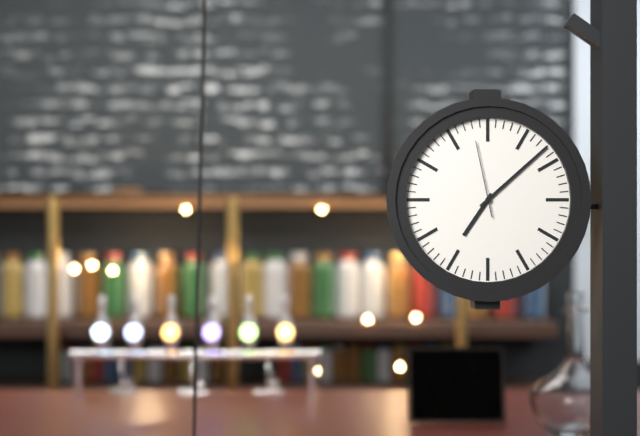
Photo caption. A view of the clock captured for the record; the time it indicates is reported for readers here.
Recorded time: 7:08:58
